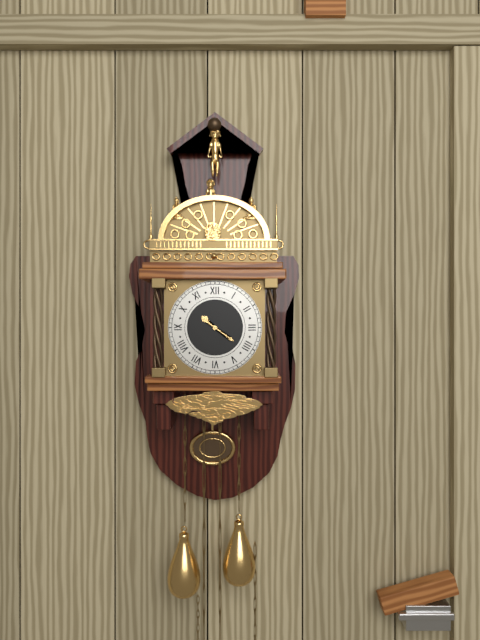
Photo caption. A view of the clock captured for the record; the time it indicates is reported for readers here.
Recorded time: 10:21
